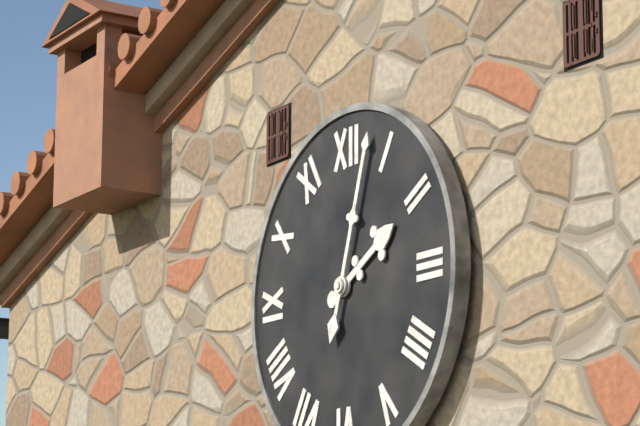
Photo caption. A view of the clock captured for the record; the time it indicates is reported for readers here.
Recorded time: 2:03
